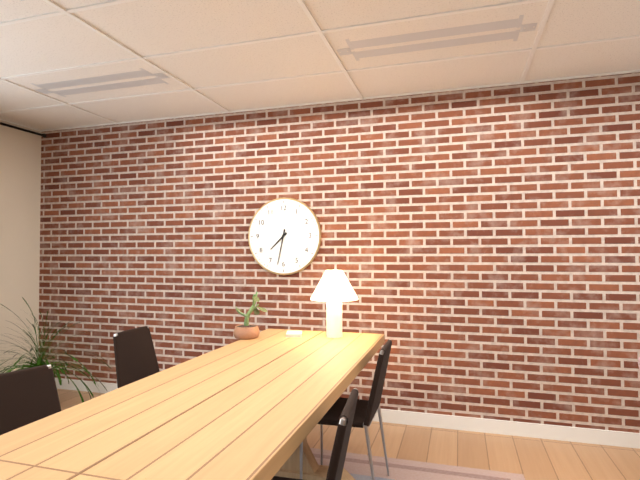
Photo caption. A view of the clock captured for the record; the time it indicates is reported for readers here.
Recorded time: 7:32
